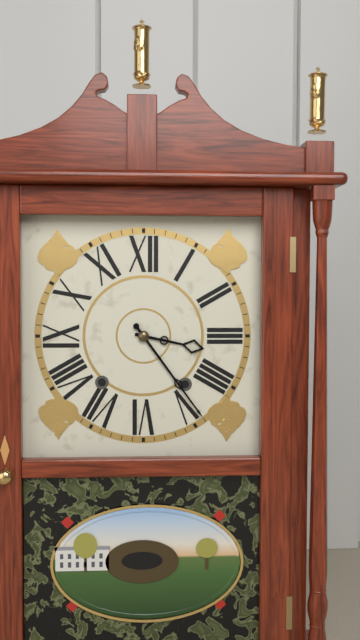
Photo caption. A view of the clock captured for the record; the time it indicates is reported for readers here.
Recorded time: 3:24
